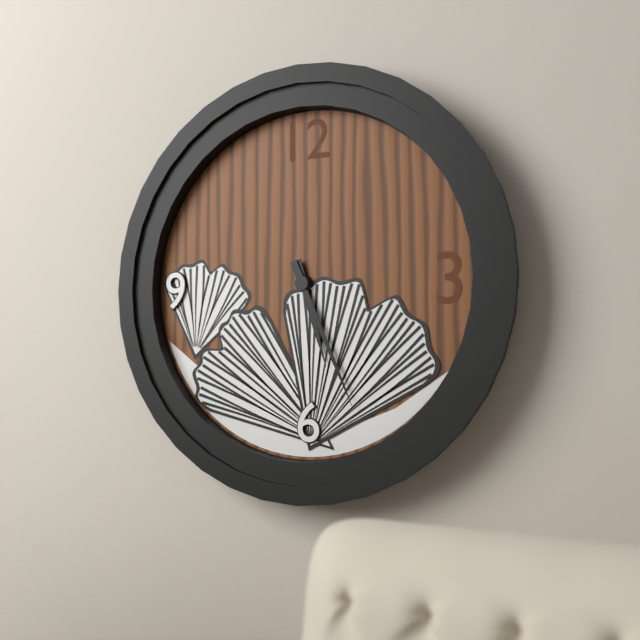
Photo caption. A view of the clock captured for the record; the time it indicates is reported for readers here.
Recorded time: 5:26
